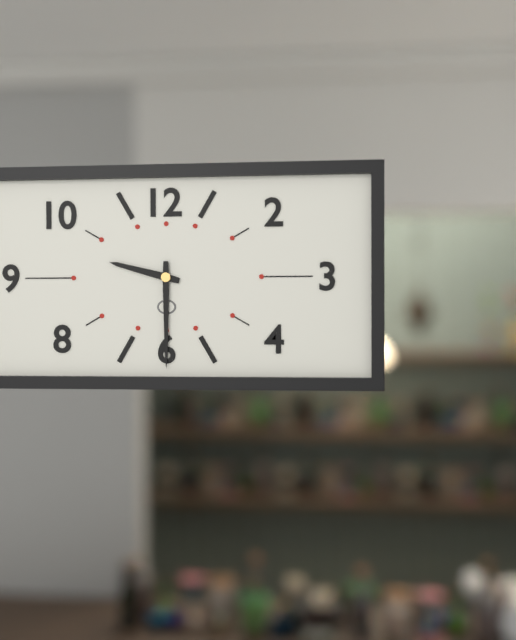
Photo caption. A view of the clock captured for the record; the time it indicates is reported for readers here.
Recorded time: 9:30
